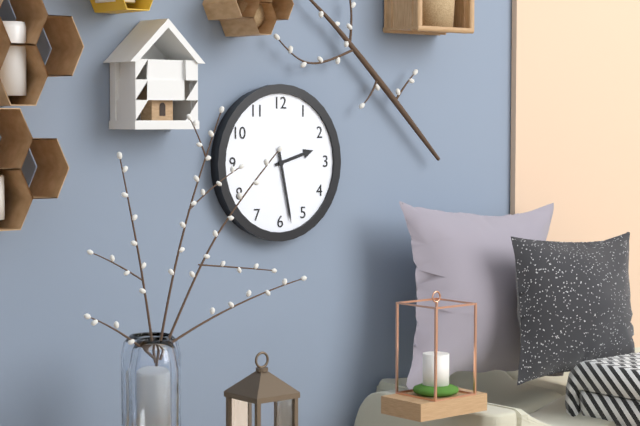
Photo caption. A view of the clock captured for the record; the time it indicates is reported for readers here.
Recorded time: 2:28
